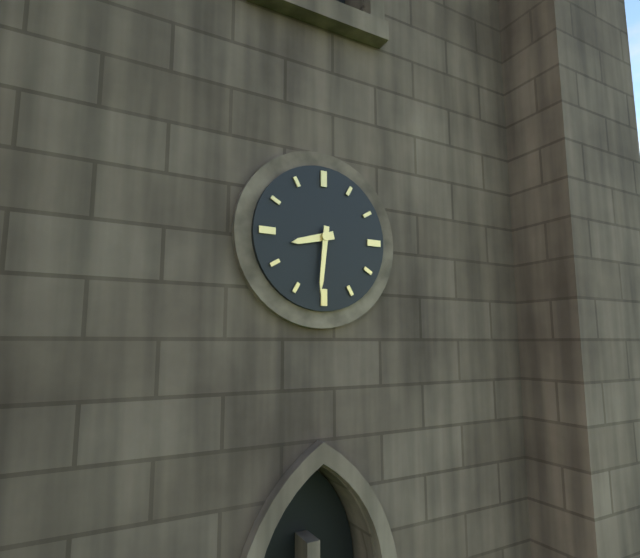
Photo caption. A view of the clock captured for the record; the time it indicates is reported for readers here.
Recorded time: 8:31
